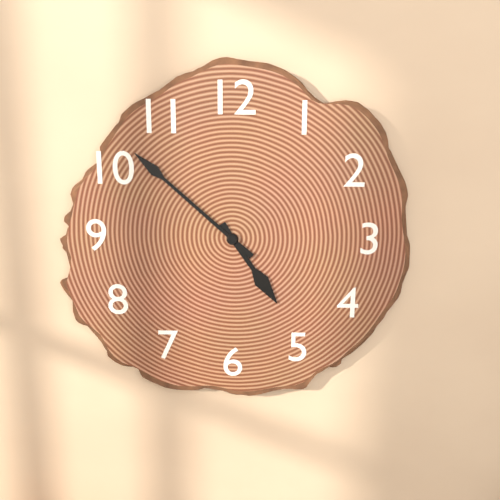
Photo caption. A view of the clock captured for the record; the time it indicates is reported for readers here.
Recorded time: 4:52
